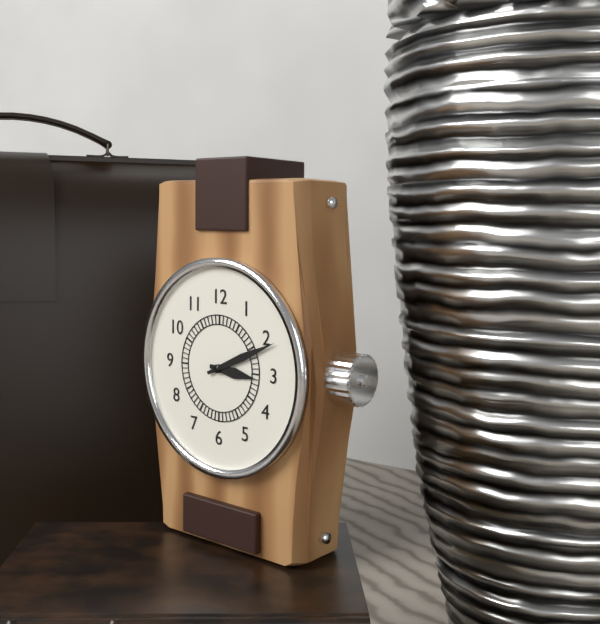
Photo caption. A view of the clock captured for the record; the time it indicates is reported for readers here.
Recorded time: 3:11
